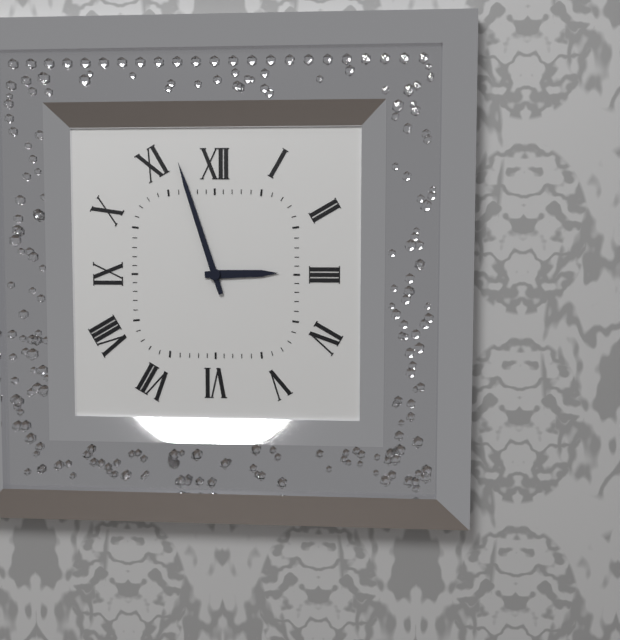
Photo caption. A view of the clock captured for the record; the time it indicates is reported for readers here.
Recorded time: 2:57
